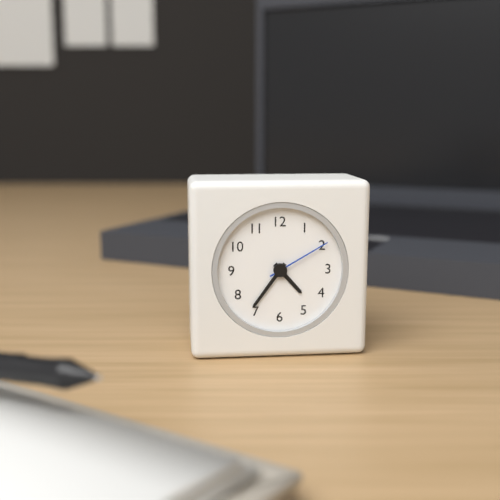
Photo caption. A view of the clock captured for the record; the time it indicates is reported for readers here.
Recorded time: 4:36:10
